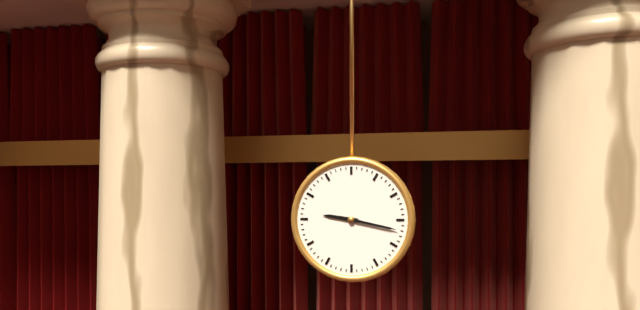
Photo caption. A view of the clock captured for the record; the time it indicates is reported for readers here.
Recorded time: 9:17
